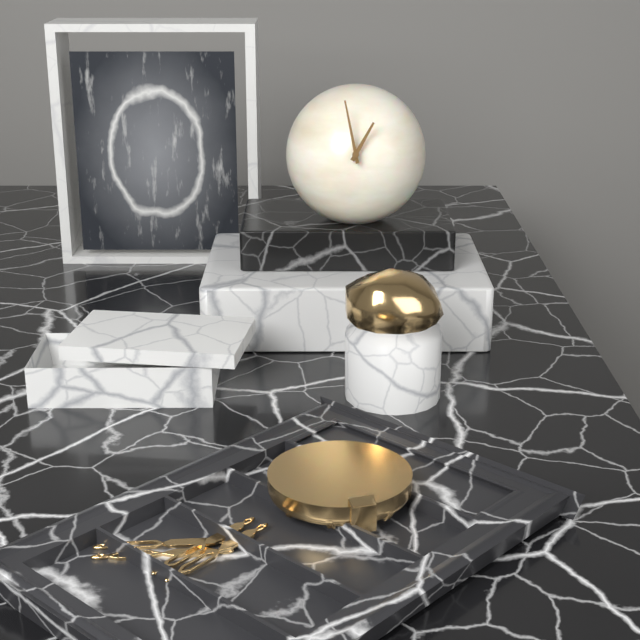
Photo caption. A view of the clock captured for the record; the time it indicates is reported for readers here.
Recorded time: 12:58
